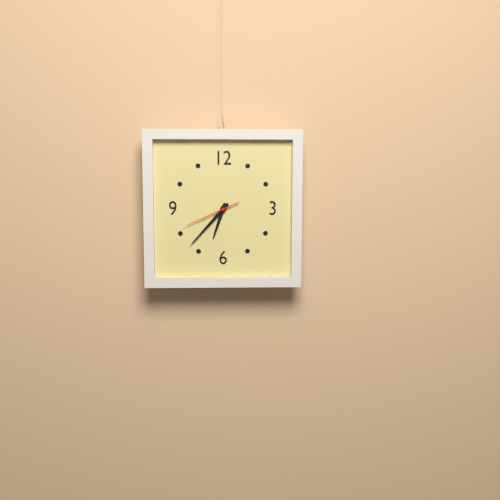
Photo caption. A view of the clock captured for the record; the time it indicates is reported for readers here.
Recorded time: 6:37:41
